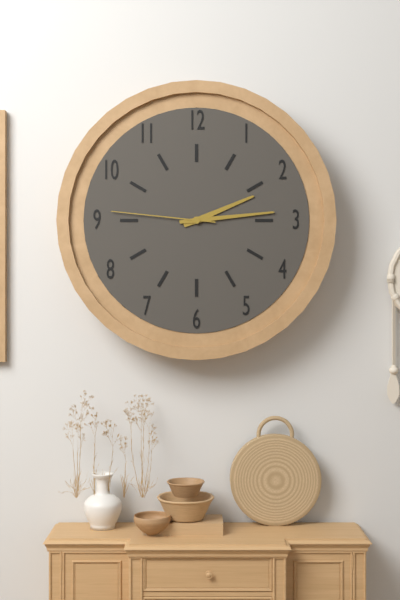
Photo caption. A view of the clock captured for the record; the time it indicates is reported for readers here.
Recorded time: 2:14:46
